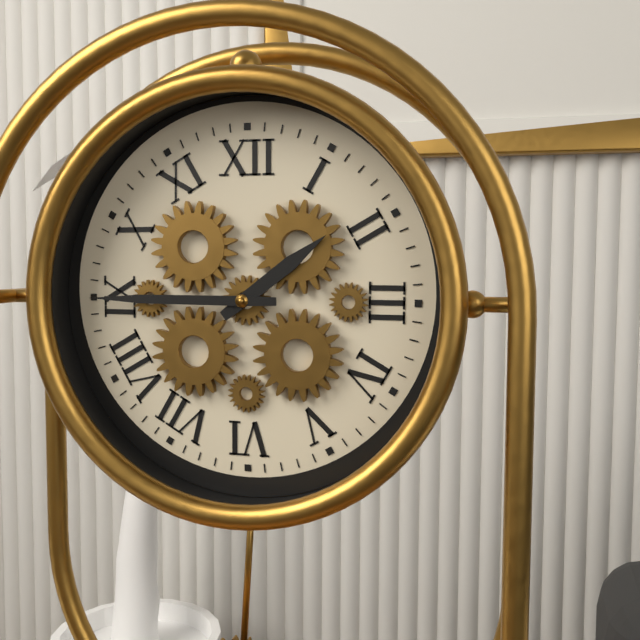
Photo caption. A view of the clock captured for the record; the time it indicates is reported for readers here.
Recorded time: 1:45
